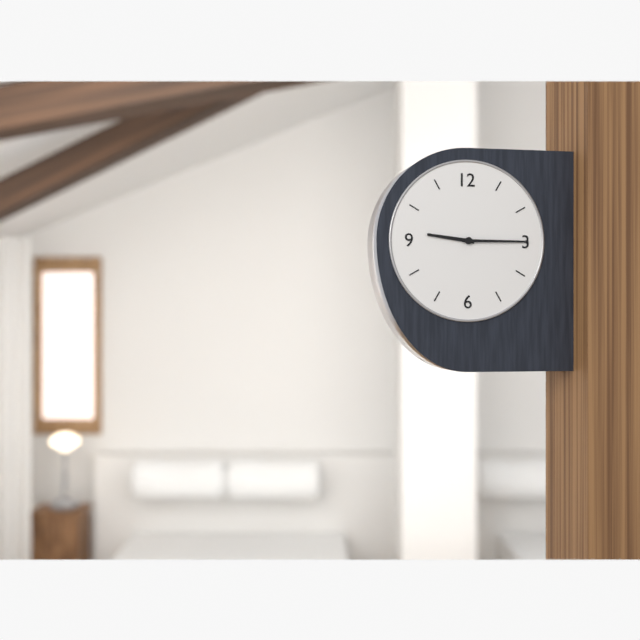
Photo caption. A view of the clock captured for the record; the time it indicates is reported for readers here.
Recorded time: 9:15
